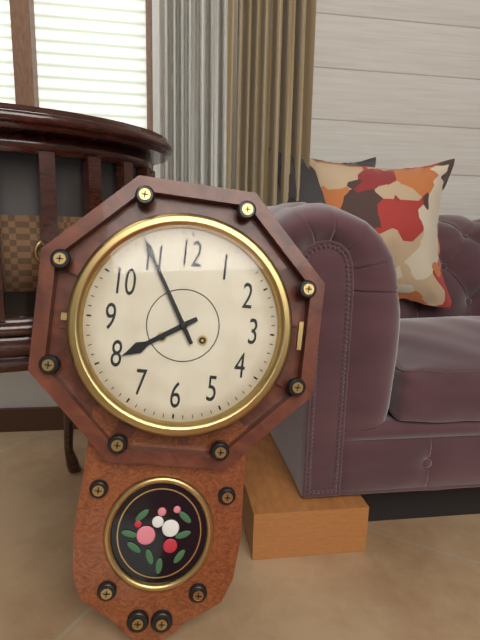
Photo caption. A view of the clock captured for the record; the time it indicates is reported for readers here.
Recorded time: 7:55
